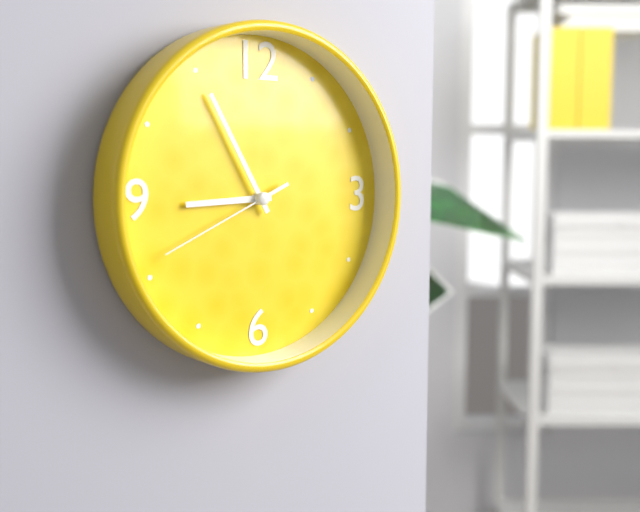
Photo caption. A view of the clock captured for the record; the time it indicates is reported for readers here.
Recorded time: 8:55:41
